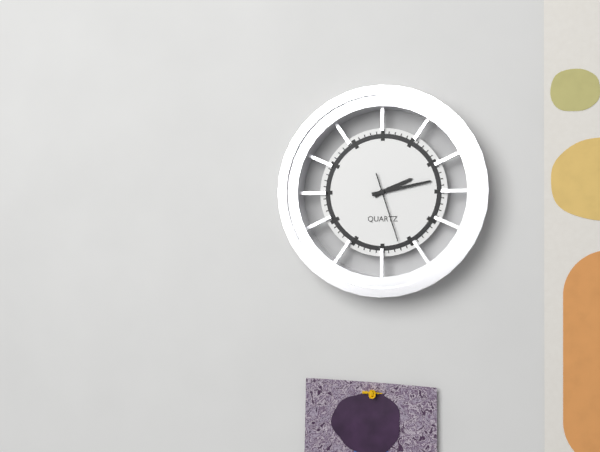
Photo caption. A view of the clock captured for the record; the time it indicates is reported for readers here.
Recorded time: 2:13:27
